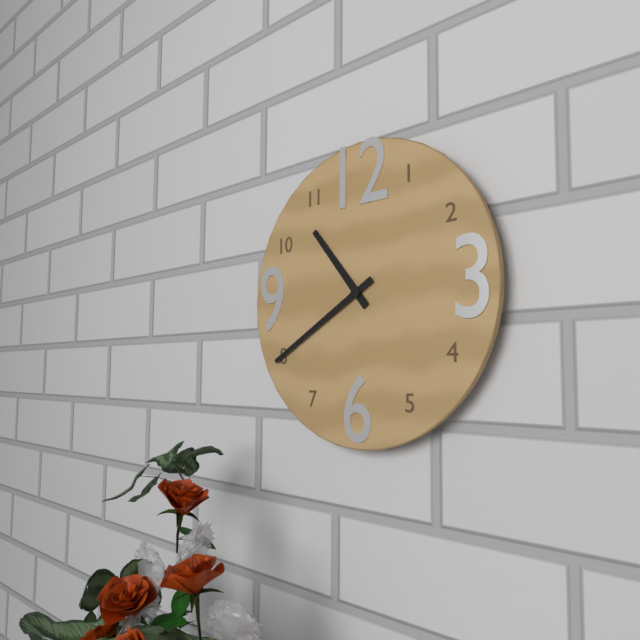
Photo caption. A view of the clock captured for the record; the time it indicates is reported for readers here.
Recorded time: 10:40
